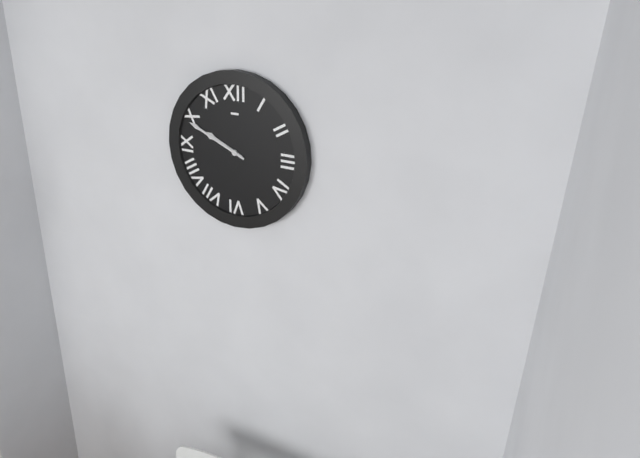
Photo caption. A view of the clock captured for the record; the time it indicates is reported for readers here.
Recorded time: 9:49
